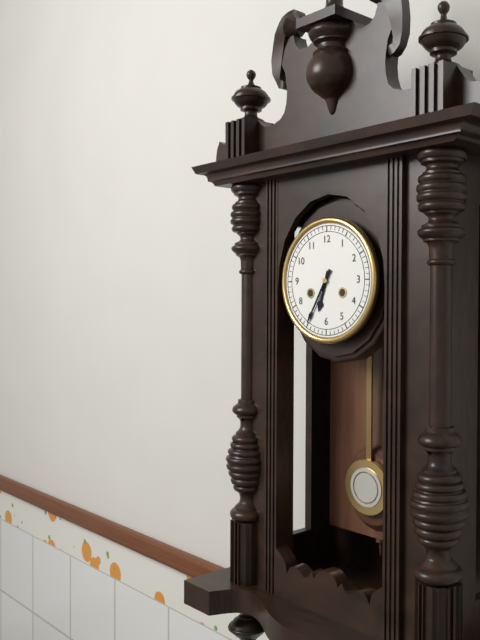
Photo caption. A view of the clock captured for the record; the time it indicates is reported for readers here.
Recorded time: 6:35
